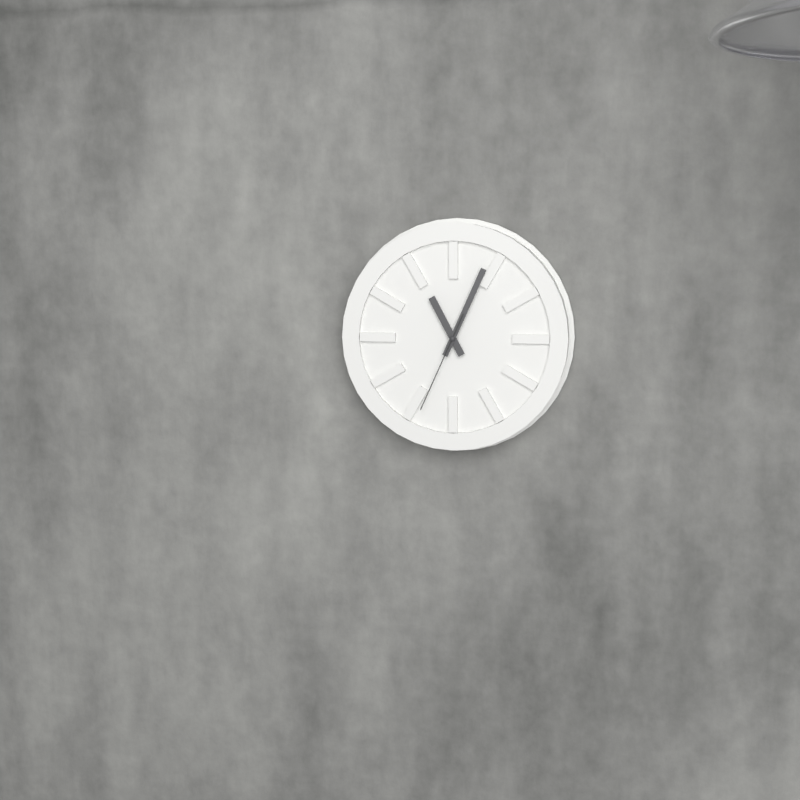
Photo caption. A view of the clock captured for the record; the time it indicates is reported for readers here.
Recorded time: 11:04:34
